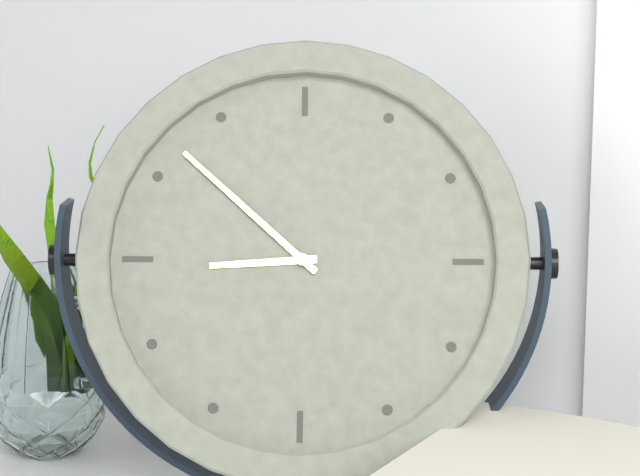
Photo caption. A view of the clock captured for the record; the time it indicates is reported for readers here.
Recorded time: 8:52
